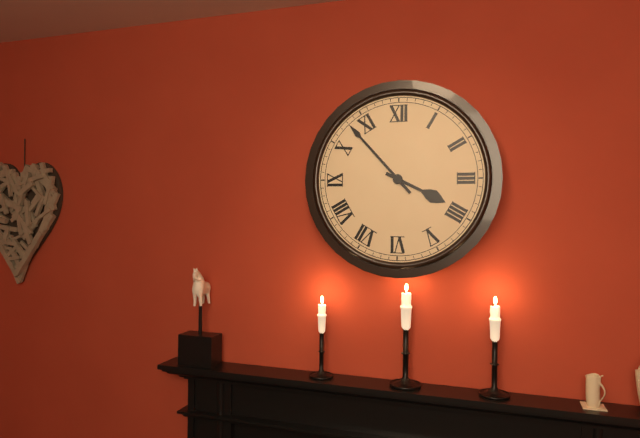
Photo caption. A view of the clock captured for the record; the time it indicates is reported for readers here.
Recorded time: 3:53
